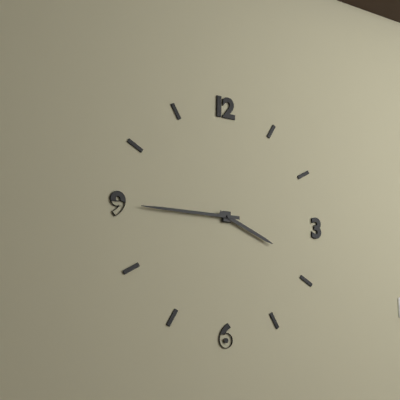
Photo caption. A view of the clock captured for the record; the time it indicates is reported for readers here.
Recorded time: 3:45
